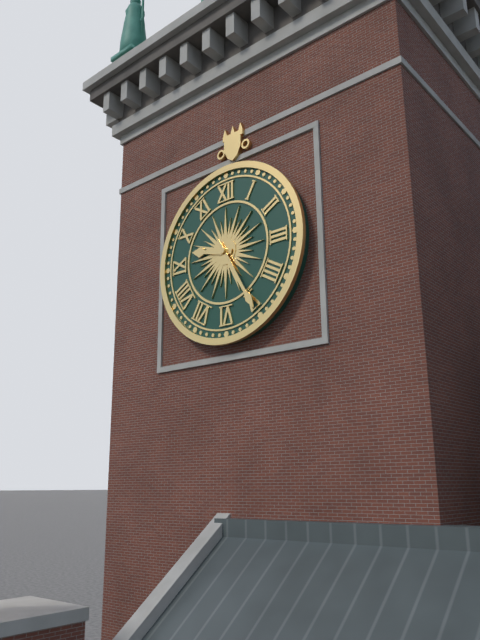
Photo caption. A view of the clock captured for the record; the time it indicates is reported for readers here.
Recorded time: 9:25
